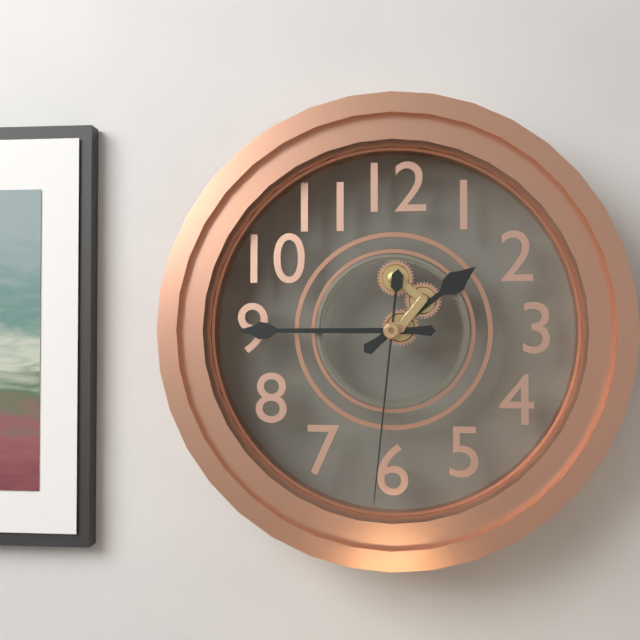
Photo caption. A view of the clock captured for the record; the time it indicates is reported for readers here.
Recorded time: 1:45:31
